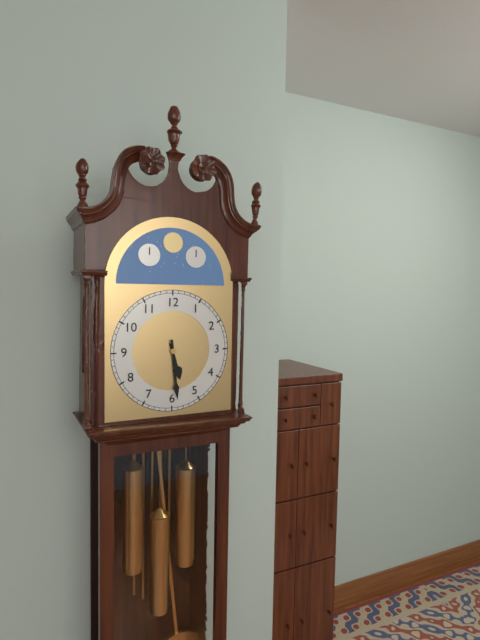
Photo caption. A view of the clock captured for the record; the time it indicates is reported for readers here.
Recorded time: 5:29
